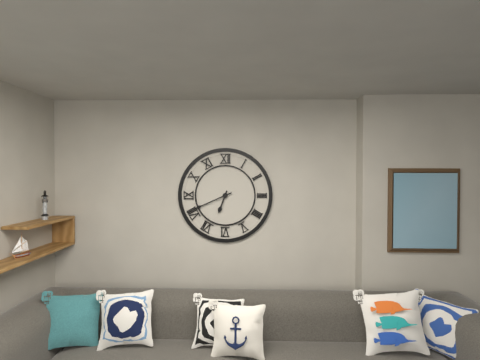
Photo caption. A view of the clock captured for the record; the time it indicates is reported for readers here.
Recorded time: 6:41
